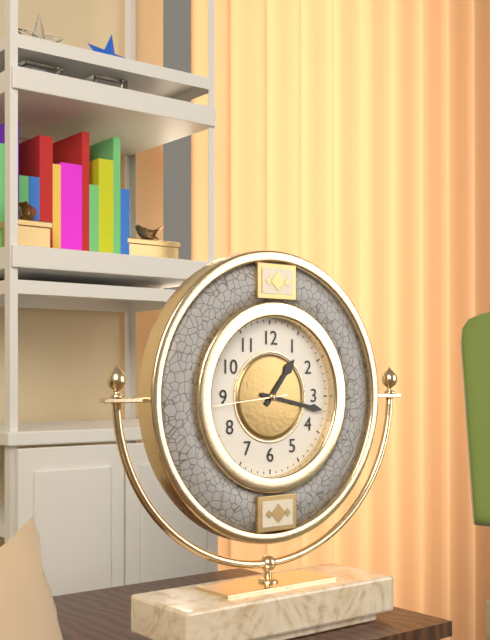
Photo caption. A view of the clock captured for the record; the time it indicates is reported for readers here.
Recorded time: 1:17:44
